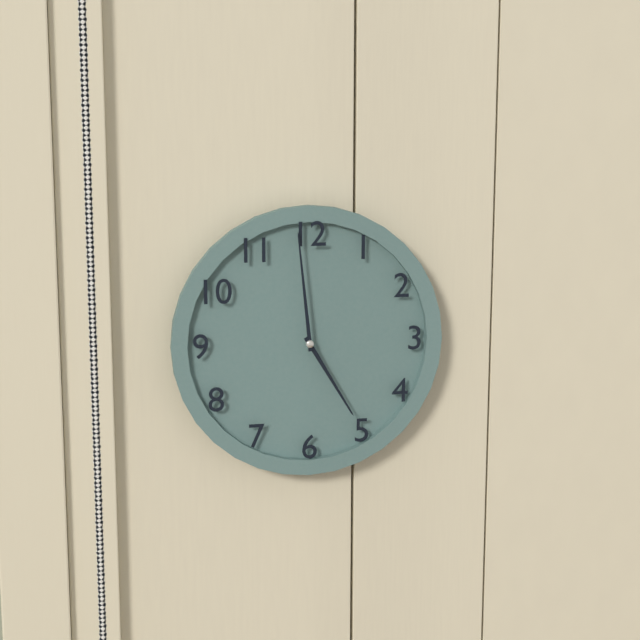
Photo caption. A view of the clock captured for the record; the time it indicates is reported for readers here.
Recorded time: 4:59
